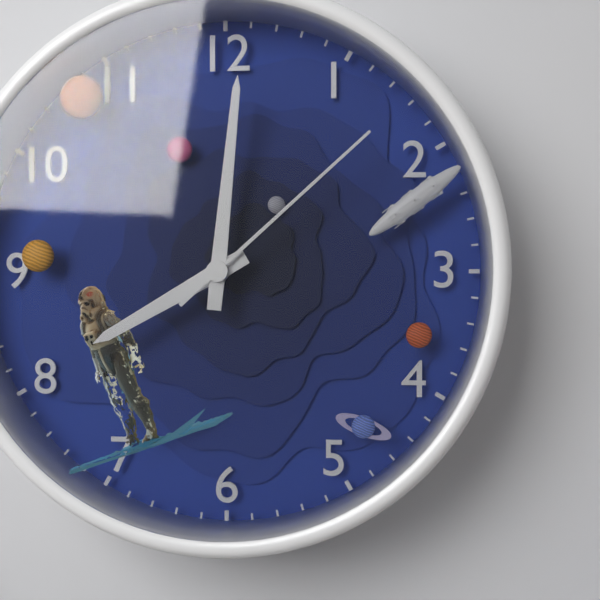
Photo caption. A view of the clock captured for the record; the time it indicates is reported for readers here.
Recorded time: 8:01:08
